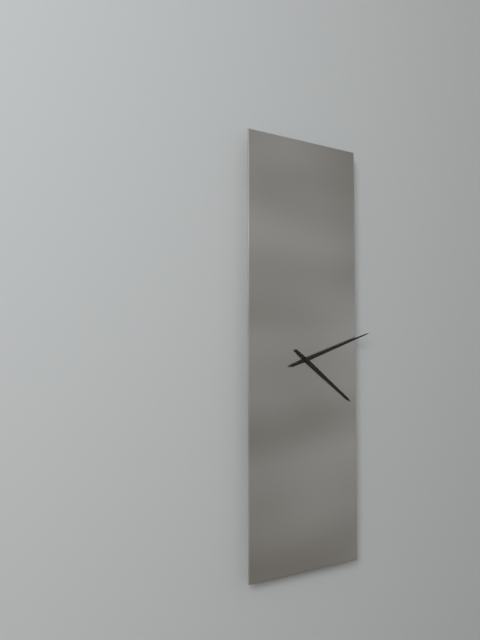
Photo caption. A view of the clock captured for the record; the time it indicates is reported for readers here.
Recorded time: 4:12
